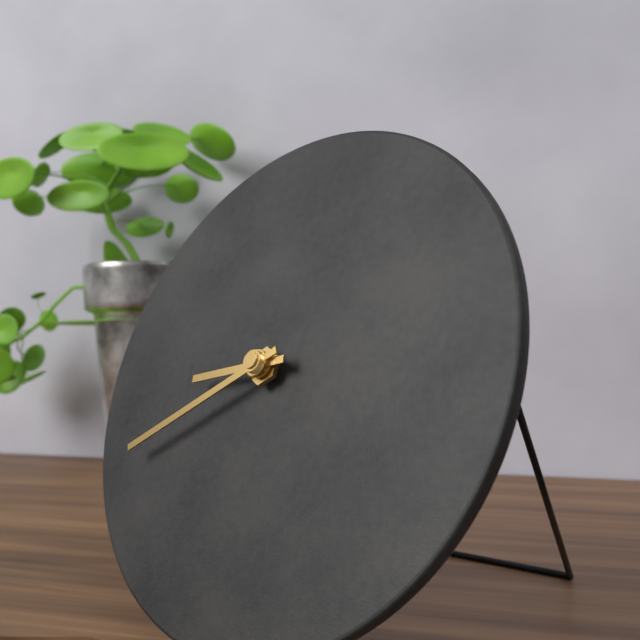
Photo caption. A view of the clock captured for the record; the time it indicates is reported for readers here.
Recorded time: 8:40
